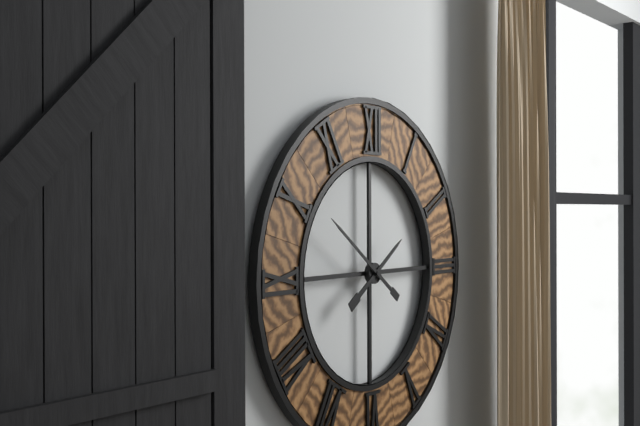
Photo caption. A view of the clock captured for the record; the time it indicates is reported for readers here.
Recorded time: 1:51
